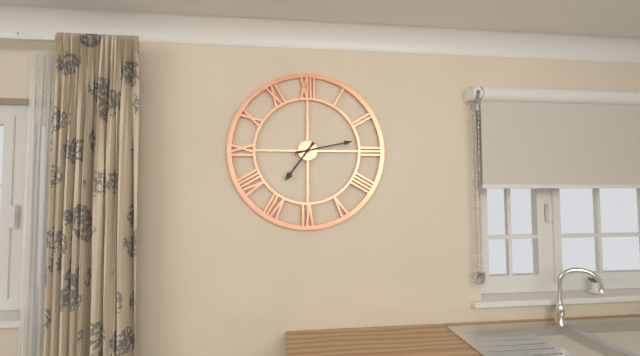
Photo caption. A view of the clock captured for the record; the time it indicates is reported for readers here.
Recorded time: 7:13
